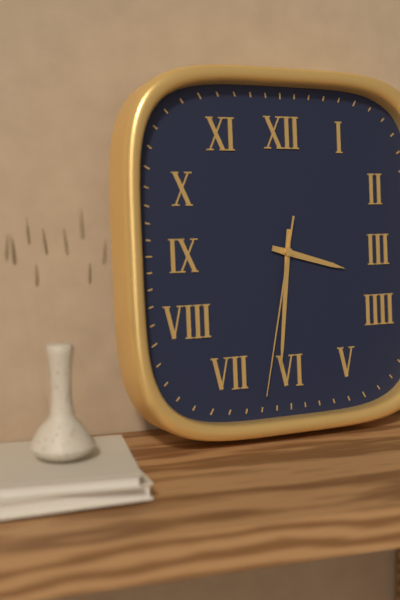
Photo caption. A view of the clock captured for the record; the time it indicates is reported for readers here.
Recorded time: 3:31:32
